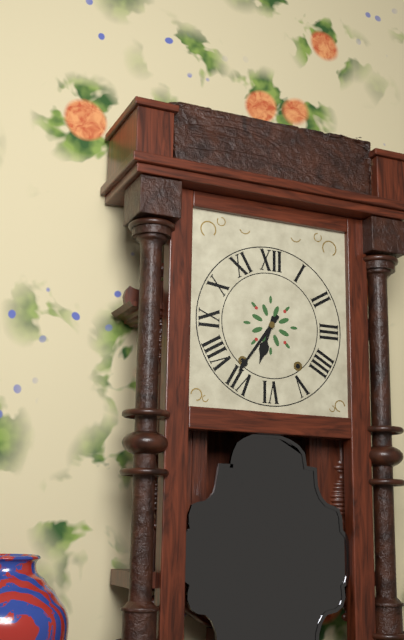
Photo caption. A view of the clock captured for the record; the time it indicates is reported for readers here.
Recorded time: 6:36
